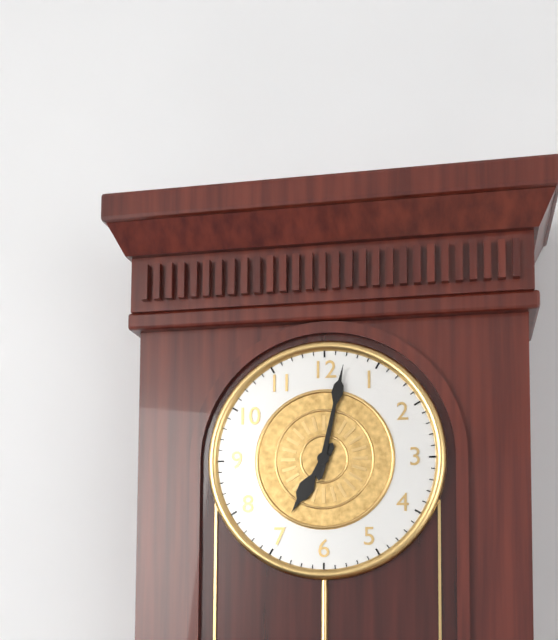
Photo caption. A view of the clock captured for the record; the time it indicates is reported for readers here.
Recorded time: 7:02
